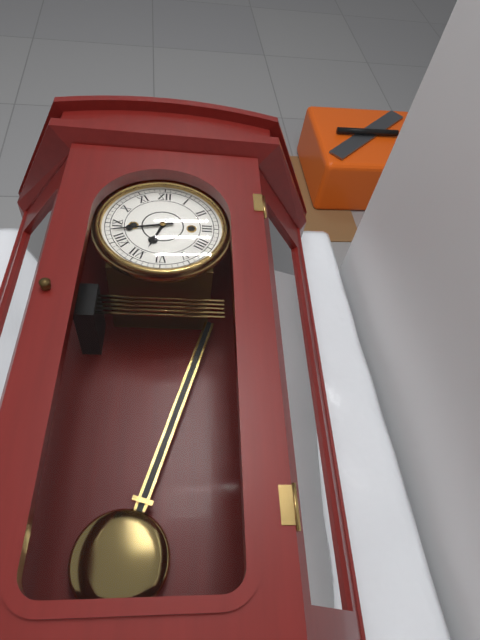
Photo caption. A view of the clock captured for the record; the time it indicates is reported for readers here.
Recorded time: 6:43
